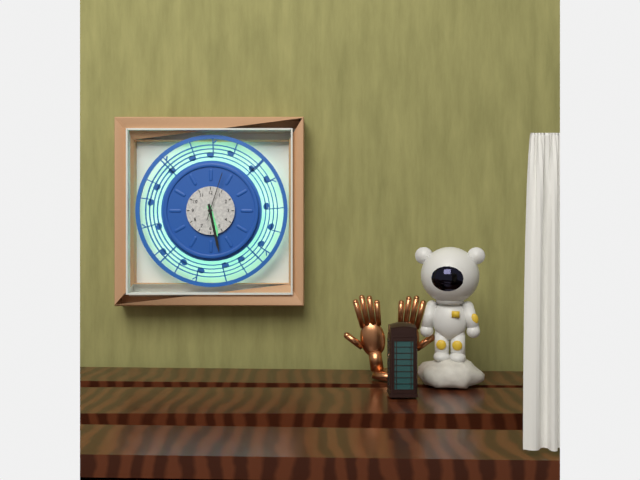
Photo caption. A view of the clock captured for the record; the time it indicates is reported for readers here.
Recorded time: 5:28
